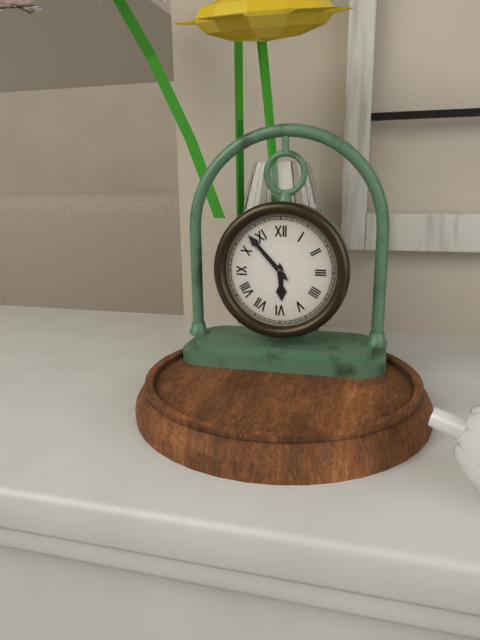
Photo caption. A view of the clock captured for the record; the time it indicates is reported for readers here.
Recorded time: 5:53
